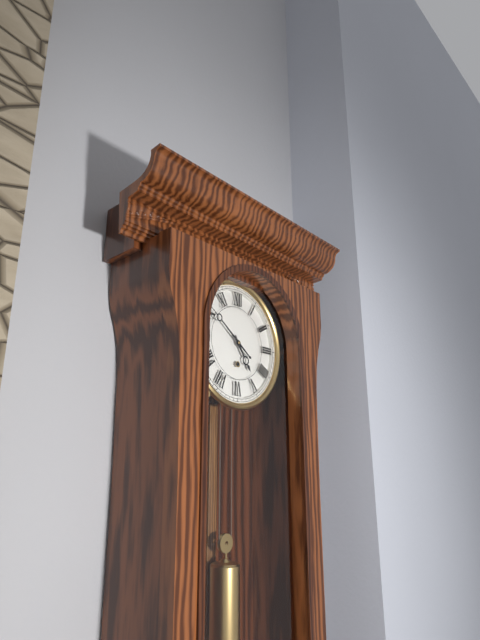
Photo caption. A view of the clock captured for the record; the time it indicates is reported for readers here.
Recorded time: 4:51
